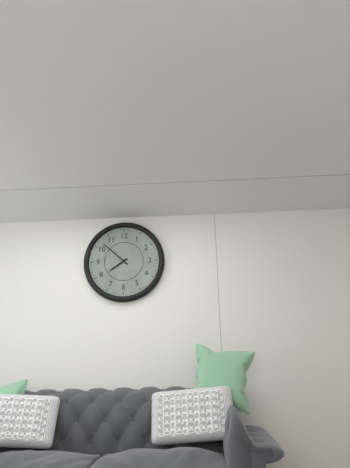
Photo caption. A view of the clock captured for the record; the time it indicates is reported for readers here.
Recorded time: 7:52
